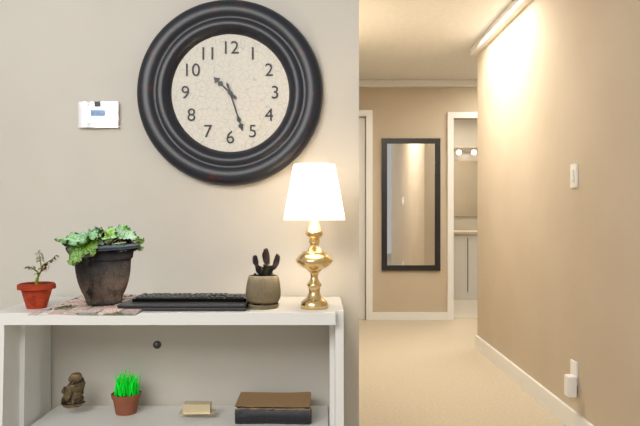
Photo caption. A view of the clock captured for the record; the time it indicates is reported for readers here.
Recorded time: 10:27
